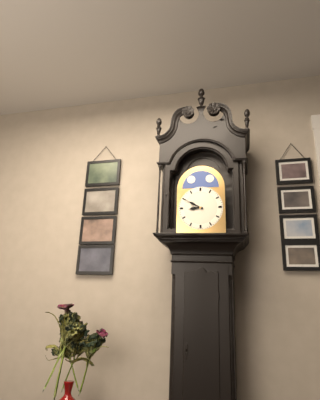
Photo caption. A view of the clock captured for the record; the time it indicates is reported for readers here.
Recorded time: 8:50
